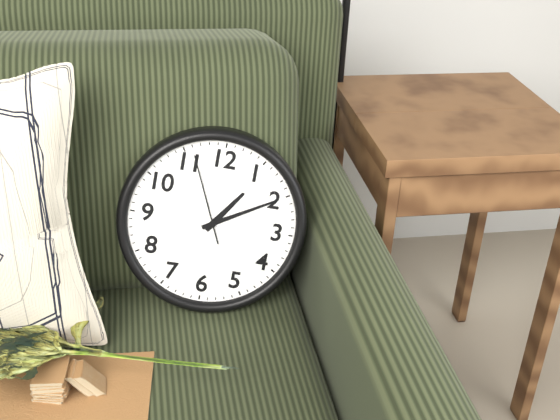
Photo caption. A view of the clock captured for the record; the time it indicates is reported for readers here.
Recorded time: 1:10:56
